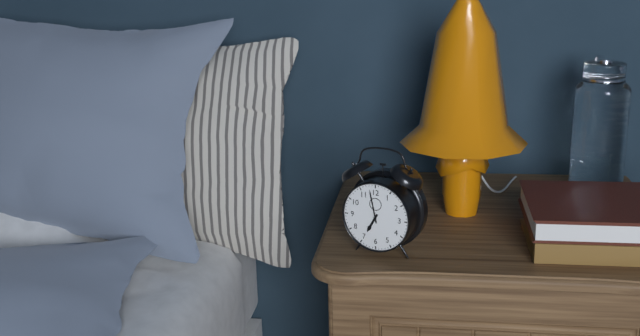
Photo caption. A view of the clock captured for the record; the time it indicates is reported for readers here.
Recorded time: 6:58
